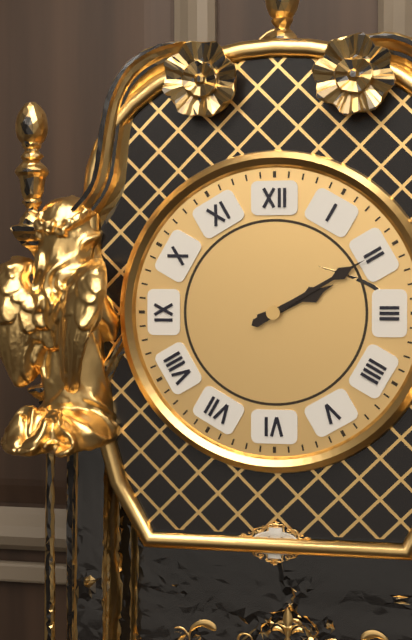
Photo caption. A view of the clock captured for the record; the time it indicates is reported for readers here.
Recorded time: 2:10
